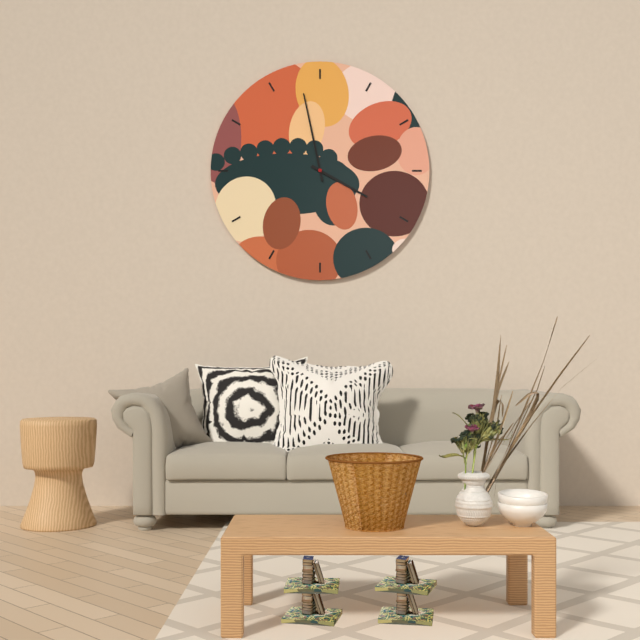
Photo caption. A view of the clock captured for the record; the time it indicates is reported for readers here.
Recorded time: 3:58
